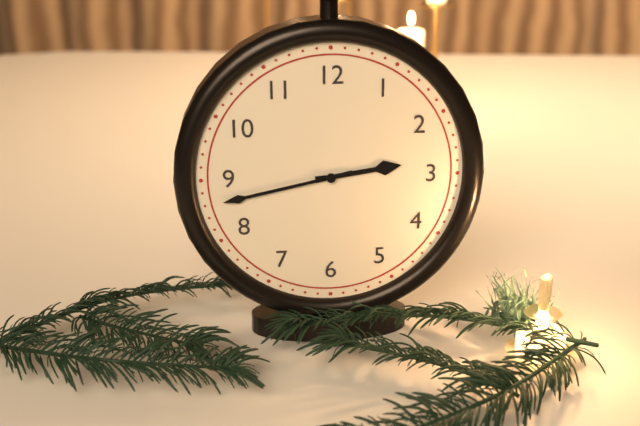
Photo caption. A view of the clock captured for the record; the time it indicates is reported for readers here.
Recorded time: 2:43
